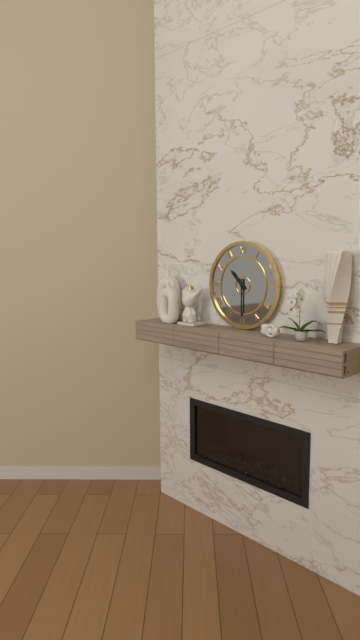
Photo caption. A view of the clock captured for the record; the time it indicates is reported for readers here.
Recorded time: 10:30
